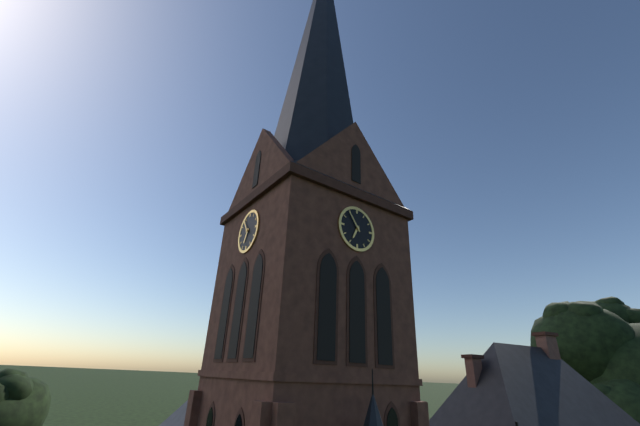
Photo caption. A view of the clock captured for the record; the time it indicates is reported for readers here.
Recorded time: 6:54
